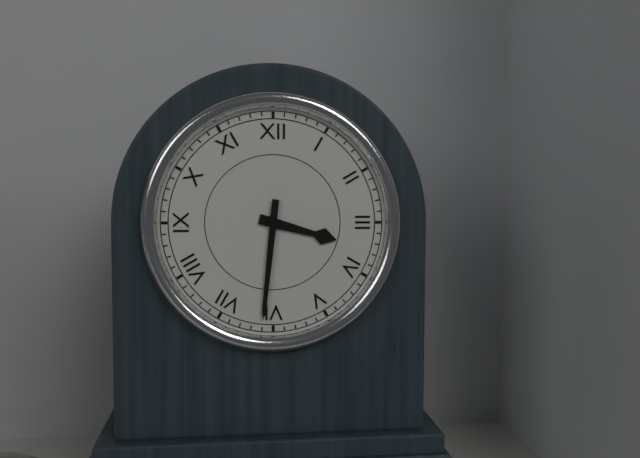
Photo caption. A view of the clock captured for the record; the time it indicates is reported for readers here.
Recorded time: 3:31
